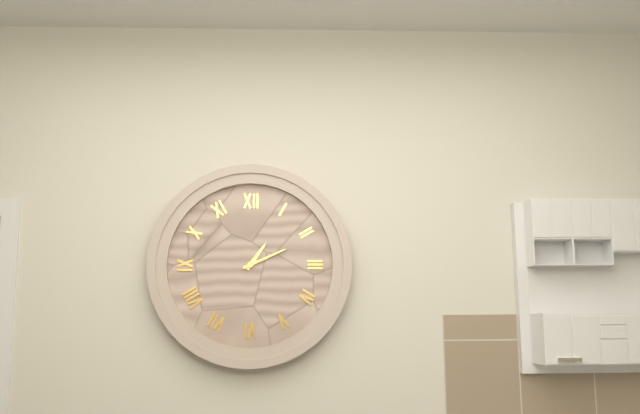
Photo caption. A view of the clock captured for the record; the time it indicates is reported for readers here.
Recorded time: 1:11
